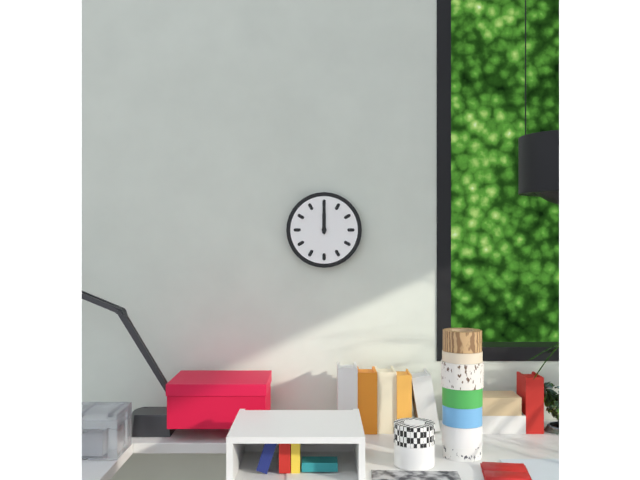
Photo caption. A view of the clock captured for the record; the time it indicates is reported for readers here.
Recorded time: 12:00
